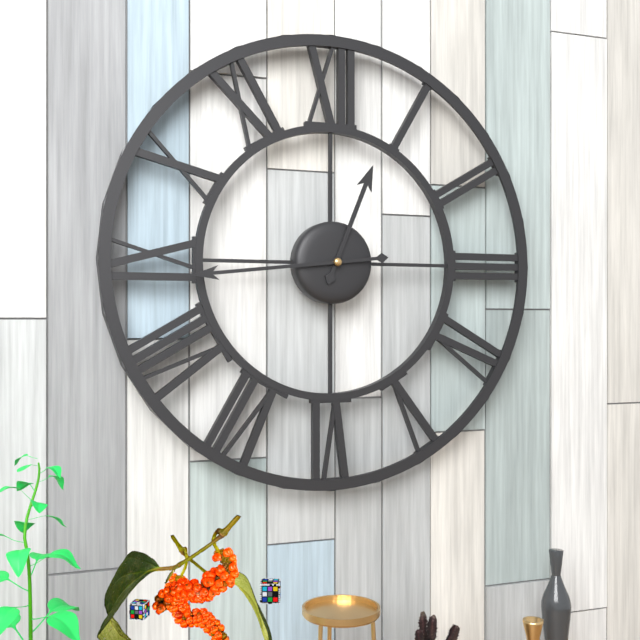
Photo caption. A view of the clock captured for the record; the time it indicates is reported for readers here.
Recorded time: 12:44
